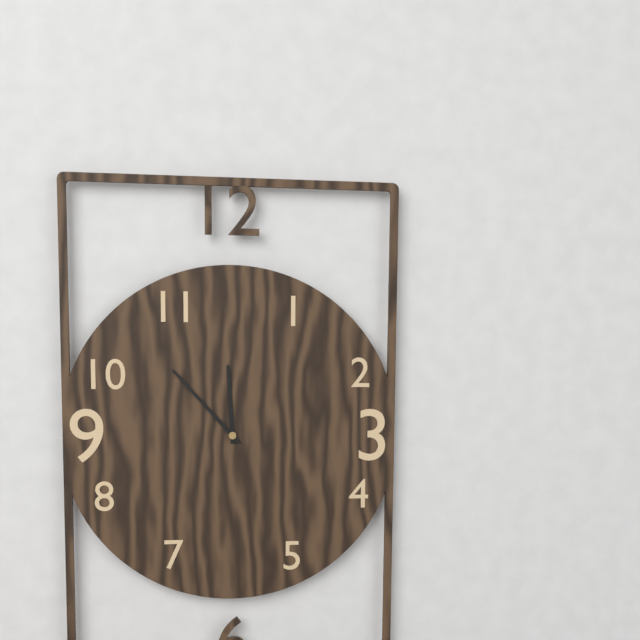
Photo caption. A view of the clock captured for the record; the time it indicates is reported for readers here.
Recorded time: 11:53
